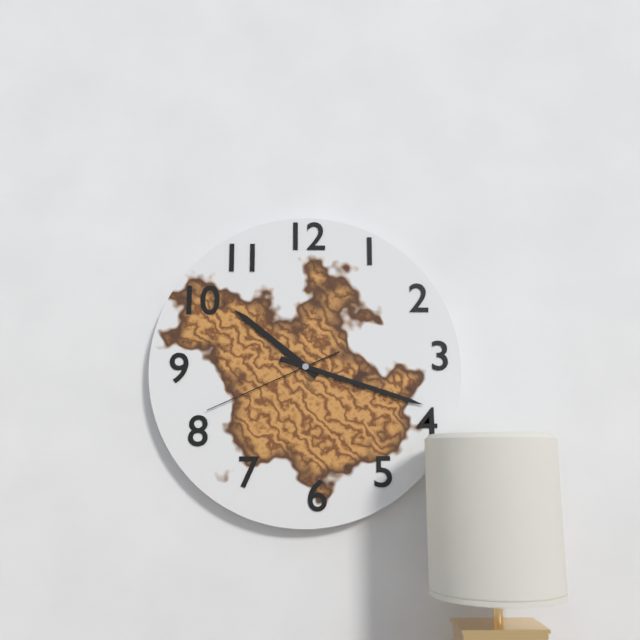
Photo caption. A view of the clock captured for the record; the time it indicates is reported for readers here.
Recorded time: 10:18:41
